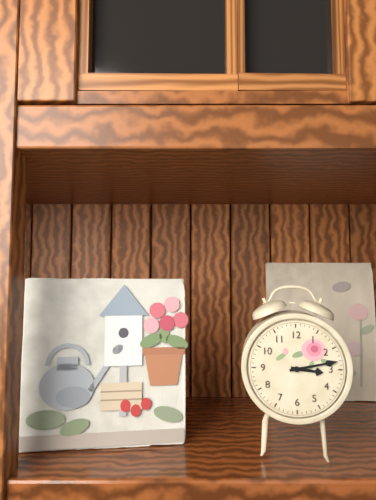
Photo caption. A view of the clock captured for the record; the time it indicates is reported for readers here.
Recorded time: 3:13
